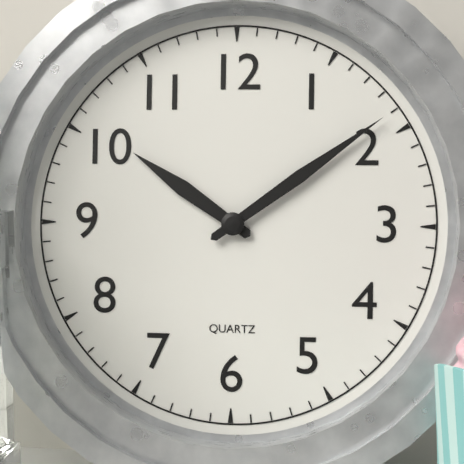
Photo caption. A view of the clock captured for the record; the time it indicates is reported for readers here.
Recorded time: 10:09
